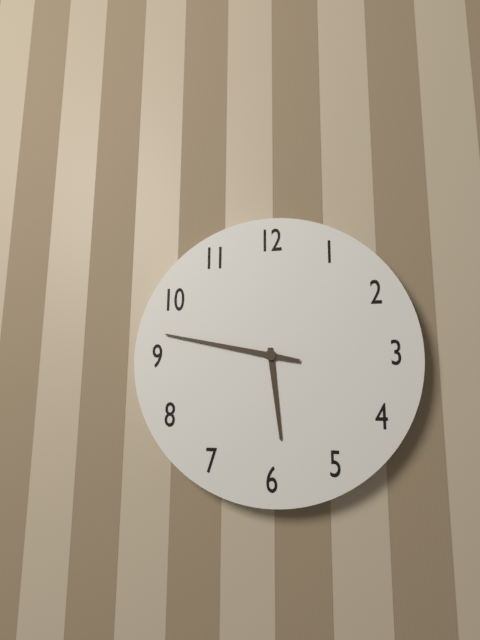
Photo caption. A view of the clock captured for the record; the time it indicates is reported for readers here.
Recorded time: 5:47
